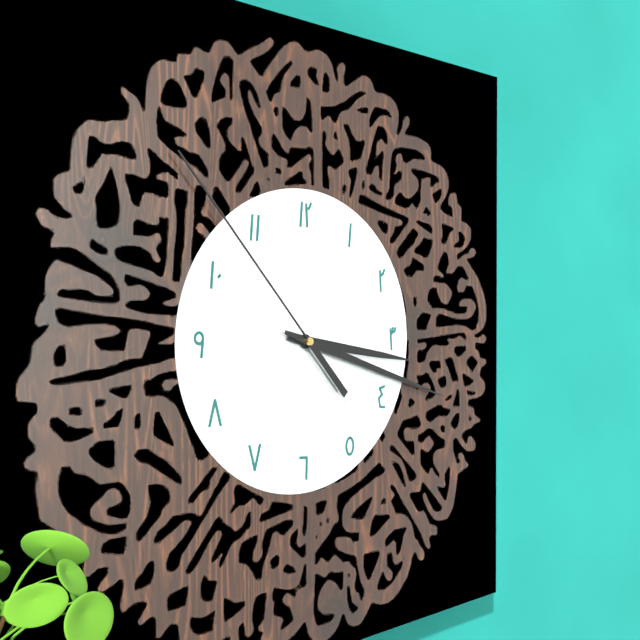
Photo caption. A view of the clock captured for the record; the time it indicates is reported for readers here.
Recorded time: 3:18:53
